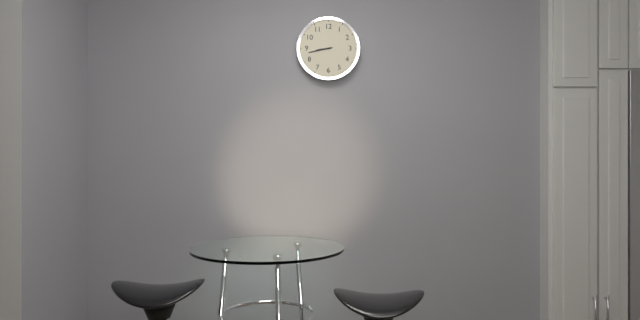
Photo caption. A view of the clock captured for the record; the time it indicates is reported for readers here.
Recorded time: 8:43
